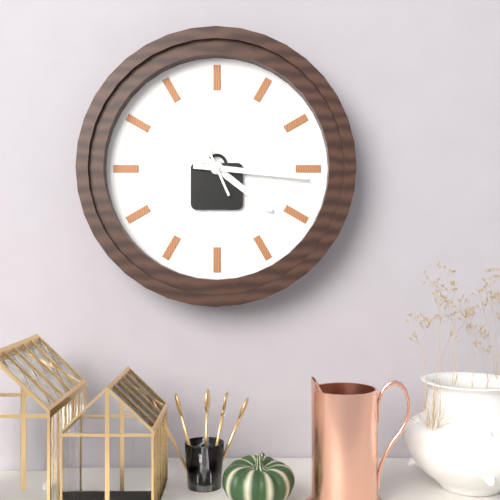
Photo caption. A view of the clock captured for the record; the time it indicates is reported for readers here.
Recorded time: 4:16:56
